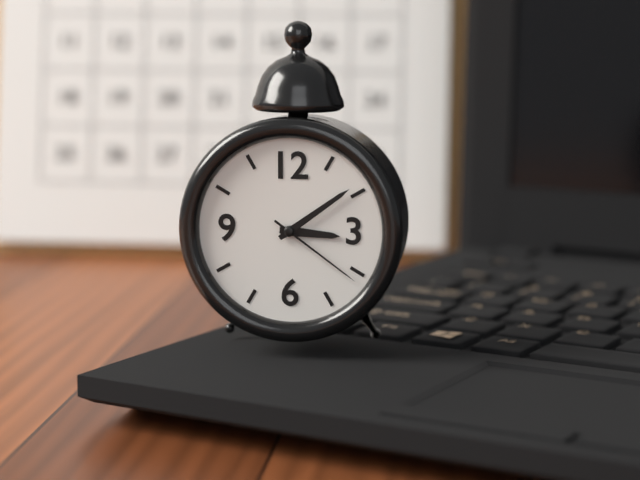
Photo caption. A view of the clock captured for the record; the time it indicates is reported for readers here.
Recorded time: 3:09:21
